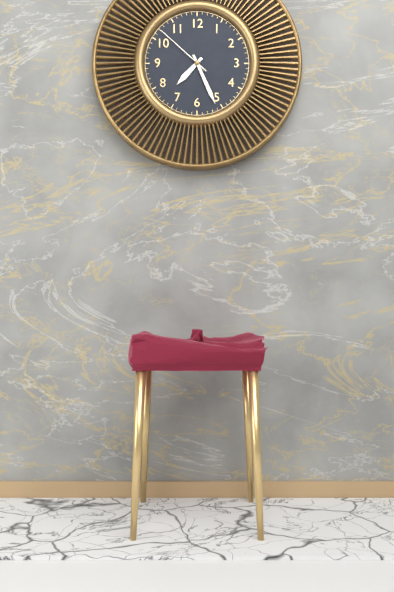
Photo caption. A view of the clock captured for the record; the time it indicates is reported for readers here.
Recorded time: 7:26:52
